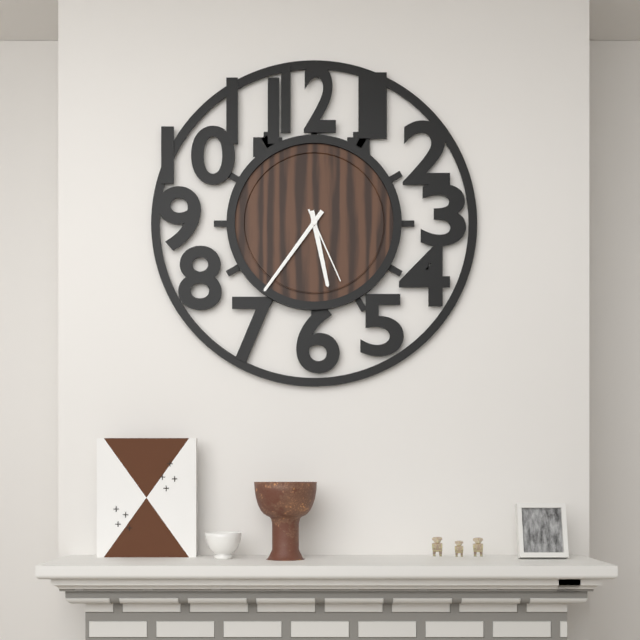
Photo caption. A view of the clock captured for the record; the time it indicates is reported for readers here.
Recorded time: 5:36:26
